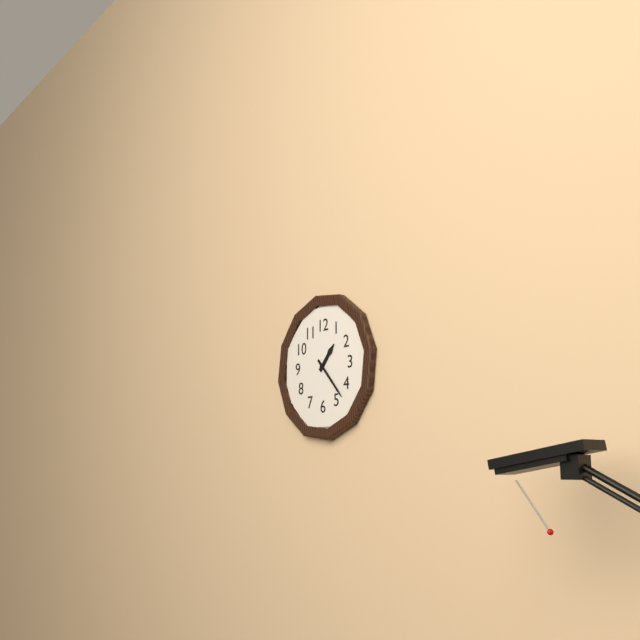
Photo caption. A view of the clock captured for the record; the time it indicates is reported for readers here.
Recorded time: 1:23
